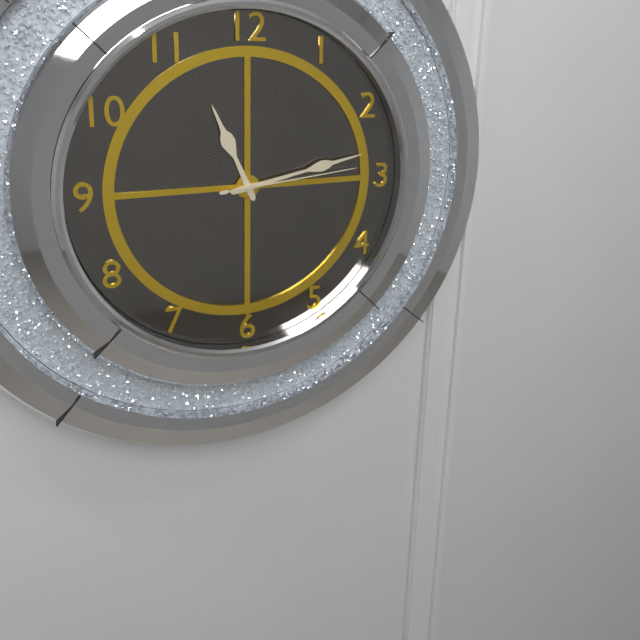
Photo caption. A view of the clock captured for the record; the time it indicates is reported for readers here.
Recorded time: 11:13:14
